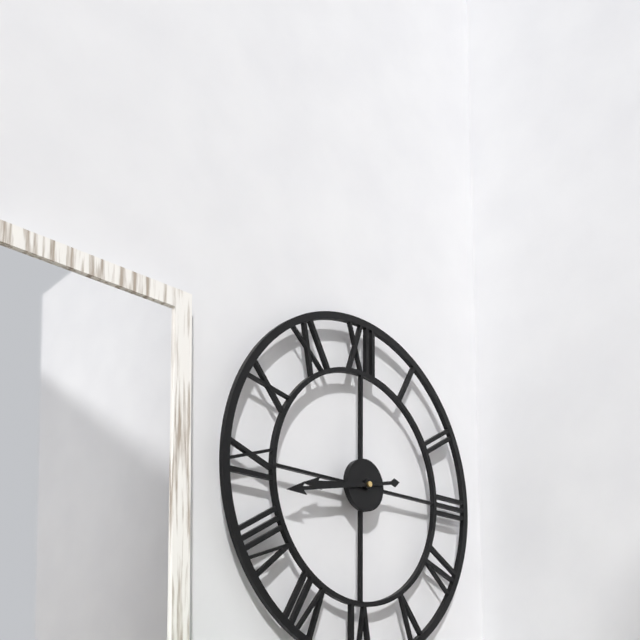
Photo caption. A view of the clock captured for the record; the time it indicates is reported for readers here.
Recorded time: 8:43
